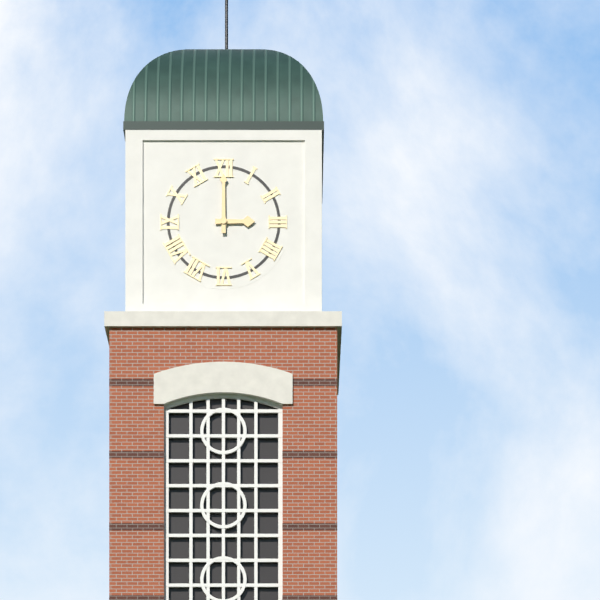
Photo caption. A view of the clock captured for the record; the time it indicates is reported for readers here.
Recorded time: 3:00
